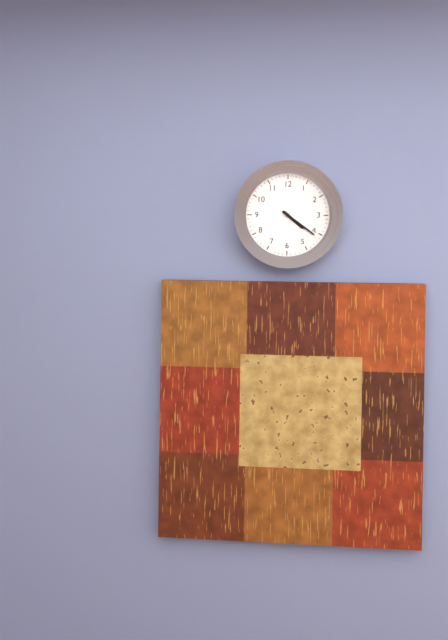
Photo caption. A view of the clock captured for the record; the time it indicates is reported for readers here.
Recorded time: 4:21
